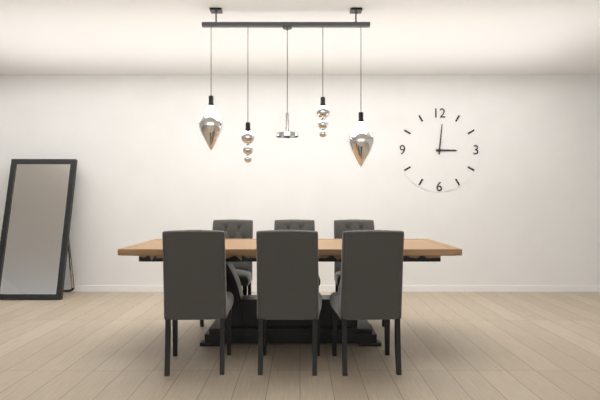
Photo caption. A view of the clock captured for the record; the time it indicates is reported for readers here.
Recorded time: 3:01
